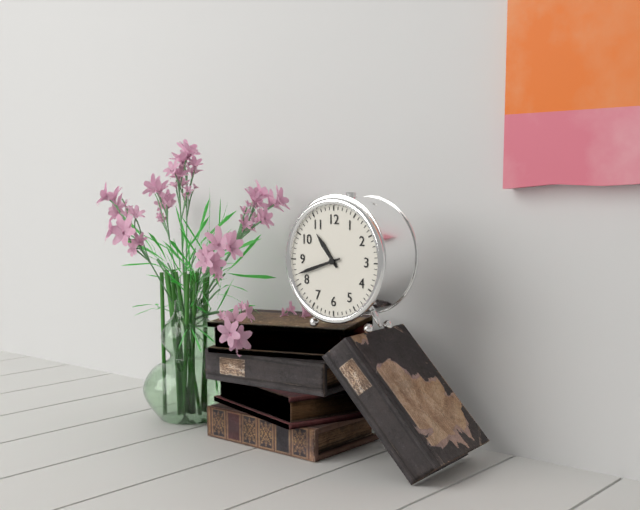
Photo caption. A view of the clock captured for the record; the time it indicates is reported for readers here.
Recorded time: 10:42
